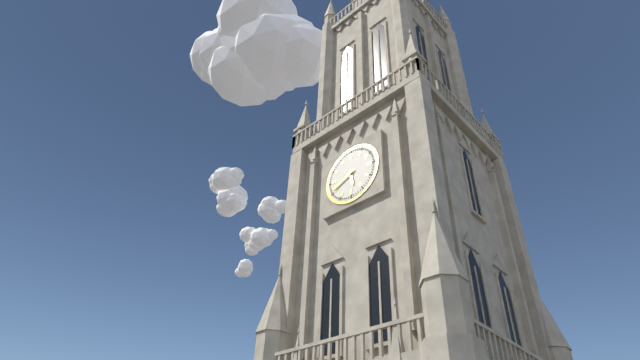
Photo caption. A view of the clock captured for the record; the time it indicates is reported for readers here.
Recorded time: 5:41
